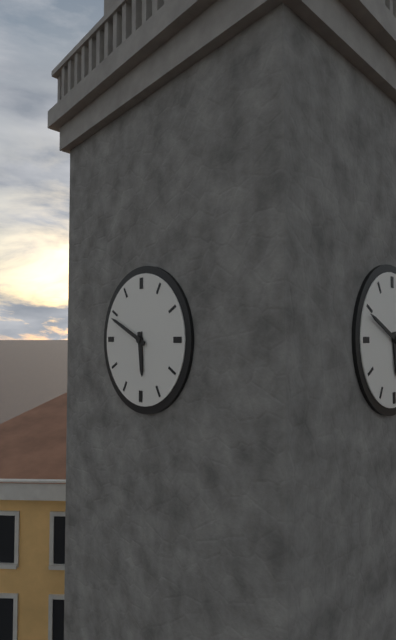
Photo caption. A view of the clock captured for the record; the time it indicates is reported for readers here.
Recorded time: 5:49
